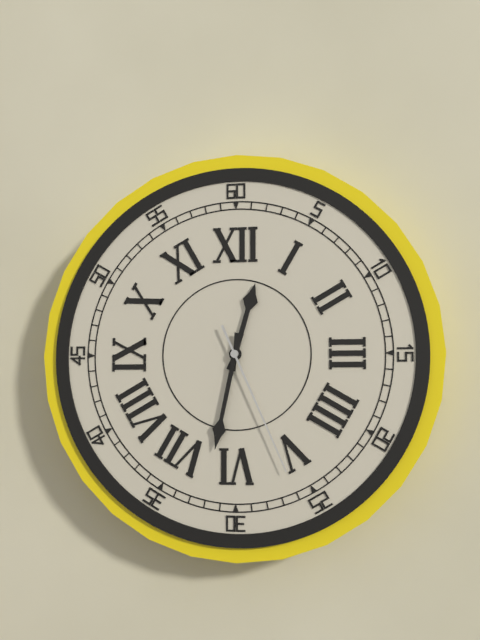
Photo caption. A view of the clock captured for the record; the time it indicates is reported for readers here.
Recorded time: 12:32:26
